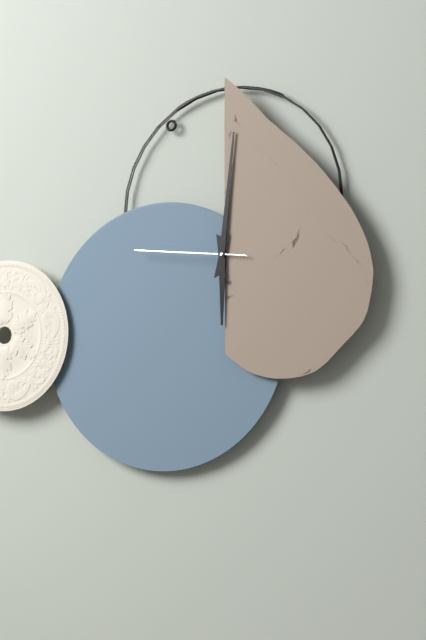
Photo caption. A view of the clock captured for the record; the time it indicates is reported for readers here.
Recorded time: 6:01:46
